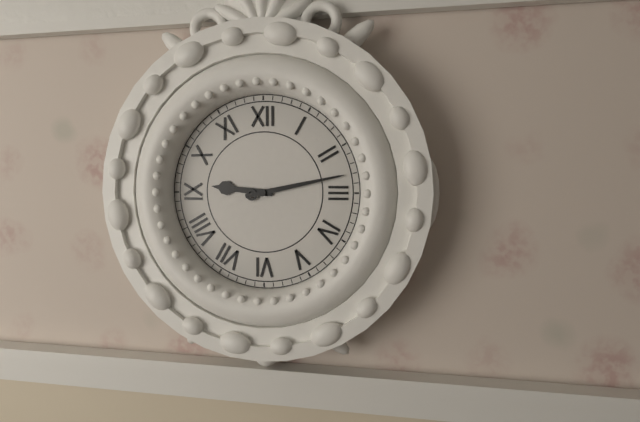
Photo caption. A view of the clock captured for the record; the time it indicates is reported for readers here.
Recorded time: 9:13
